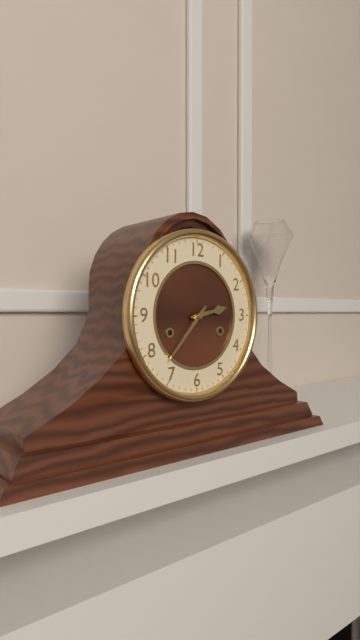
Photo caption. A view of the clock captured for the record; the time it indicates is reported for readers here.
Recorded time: 2:37
